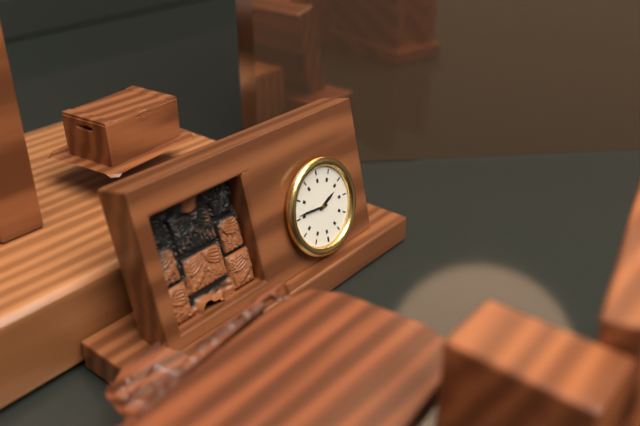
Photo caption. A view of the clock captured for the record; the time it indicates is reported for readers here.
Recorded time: 8:16
